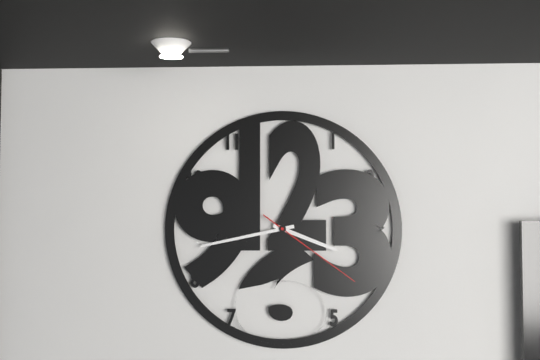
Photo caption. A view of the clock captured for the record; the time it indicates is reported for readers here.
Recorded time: 3:43:21
